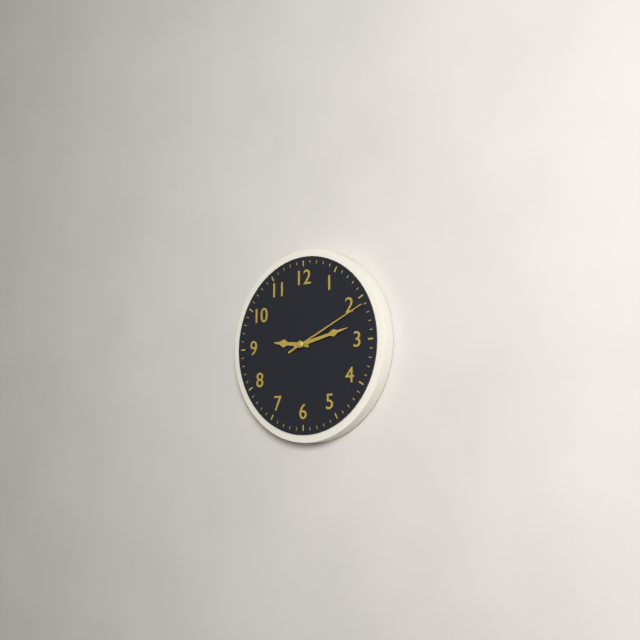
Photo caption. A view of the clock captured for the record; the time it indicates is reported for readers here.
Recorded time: 9:13:11
